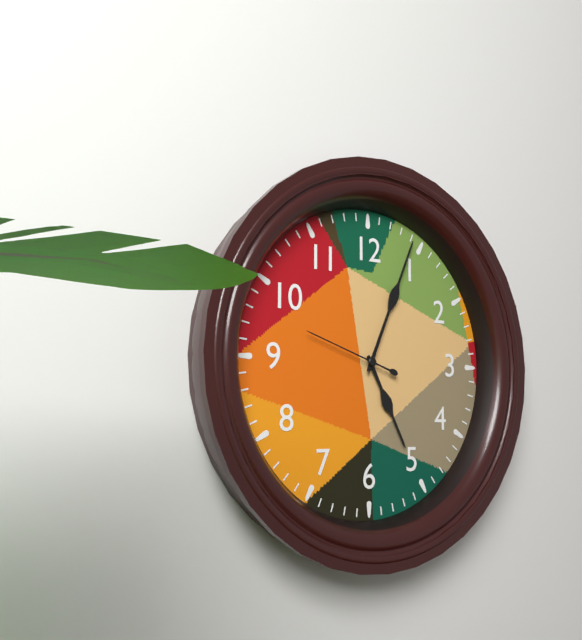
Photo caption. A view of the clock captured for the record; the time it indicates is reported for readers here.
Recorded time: 5:04:48
